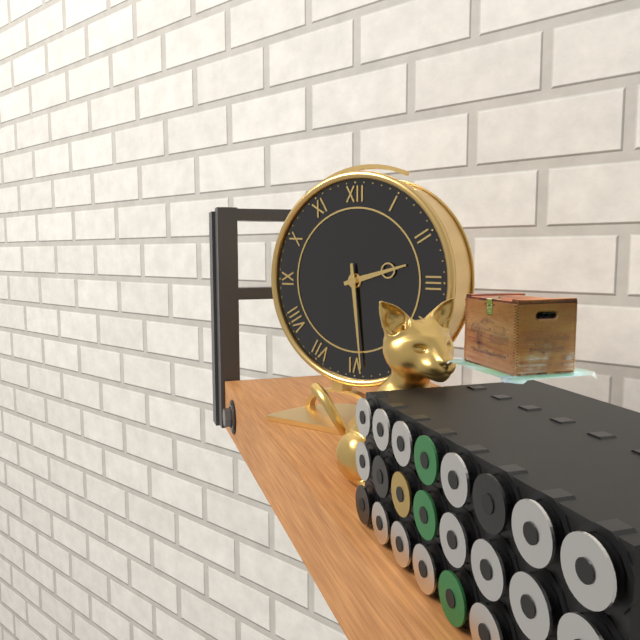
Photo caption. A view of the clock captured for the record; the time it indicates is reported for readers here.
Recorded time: 2:29
